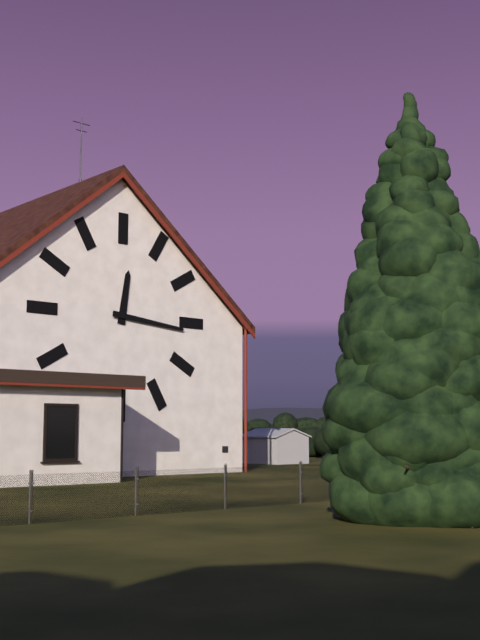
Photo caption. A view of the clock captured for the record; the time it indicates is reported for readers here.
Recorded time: 12:16
